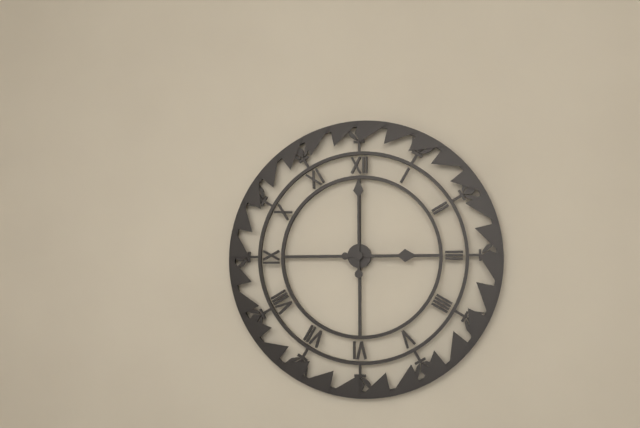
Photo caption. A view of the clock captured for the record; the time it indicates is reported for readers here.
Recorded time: 3:00
